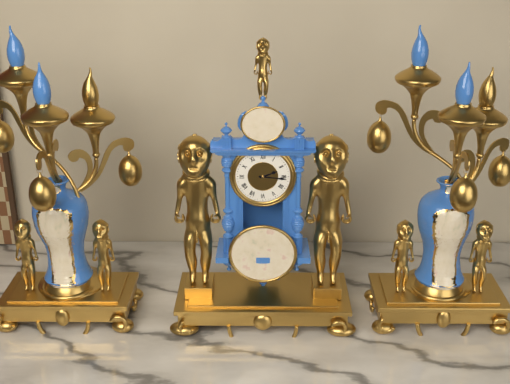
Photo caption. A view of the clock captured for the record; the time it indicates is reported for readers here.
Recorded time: 2:16
